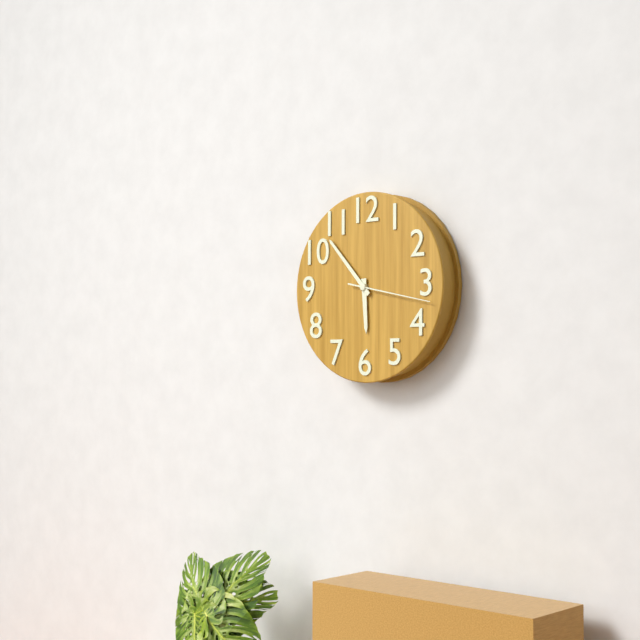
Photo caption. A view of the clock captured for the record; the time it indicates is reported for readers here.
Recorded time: 5:53:17
